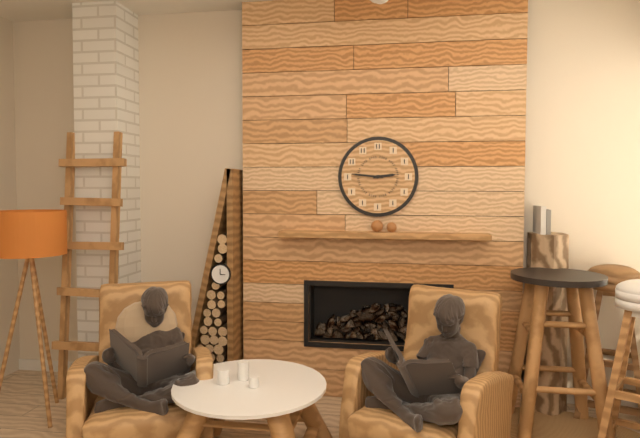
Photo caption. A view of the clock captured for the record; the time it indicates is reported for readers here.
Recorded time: 2:46
